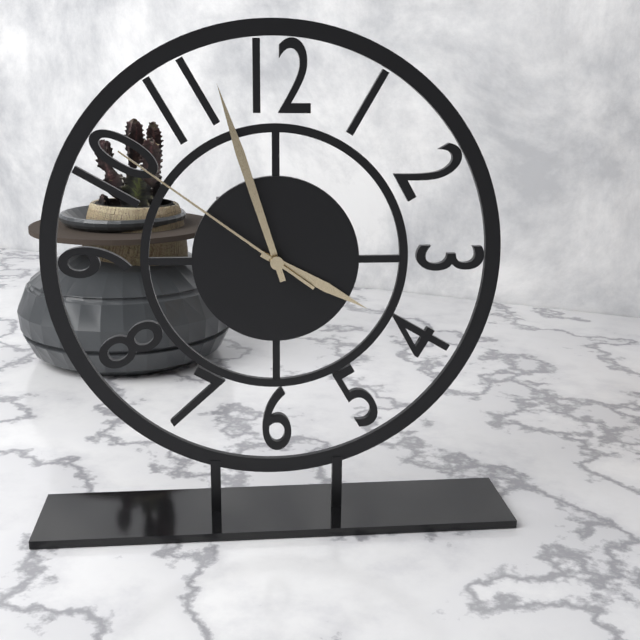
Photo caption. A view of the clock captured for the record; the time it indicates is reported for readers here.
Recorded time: 3:57:51
